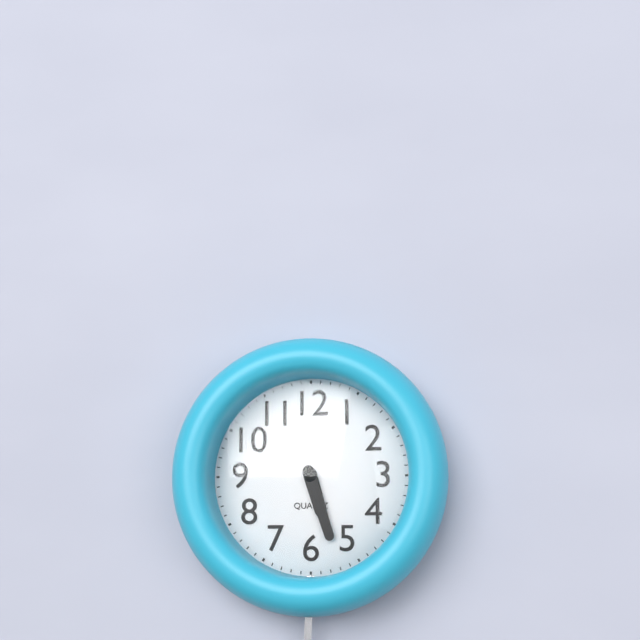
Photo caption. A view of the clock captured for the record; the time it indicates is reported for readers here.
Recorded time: 5:27
